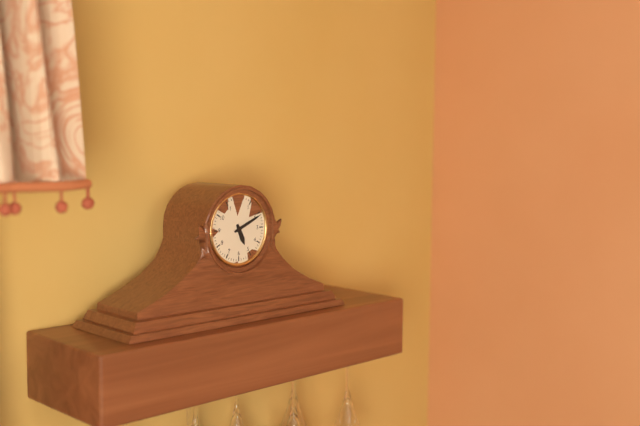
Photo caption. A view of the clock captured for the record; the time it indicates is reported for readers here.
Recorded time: 5:11
